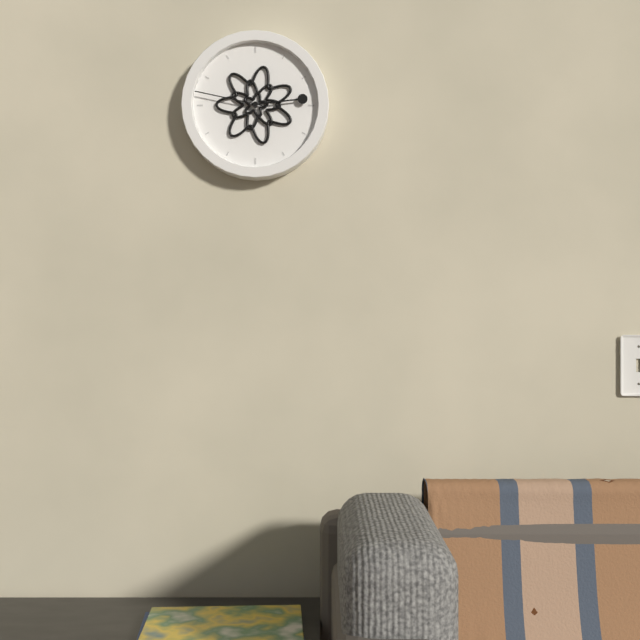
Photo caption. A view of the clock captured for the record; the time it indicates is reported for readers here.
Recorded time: 2:47
